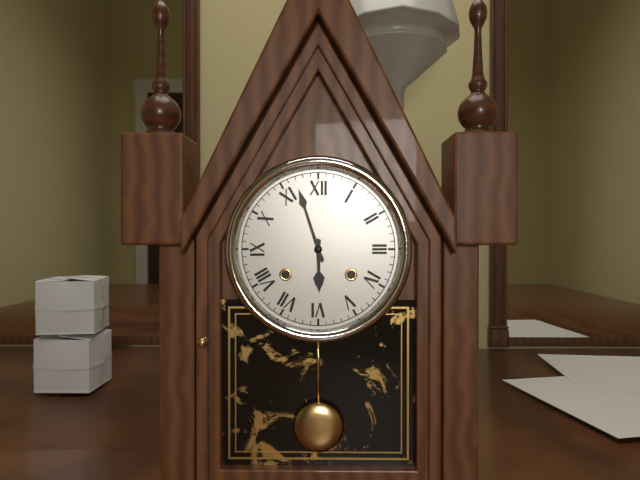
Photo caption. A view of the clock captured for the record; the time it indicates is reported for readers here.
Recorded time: 5:57
